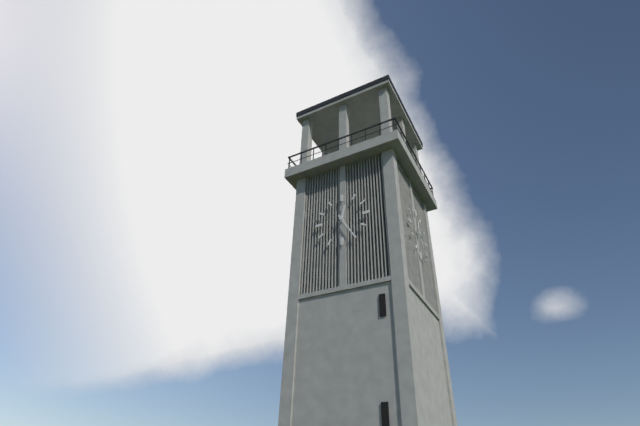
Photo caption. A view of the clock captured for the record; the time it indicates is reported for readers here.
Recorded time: 12:25
